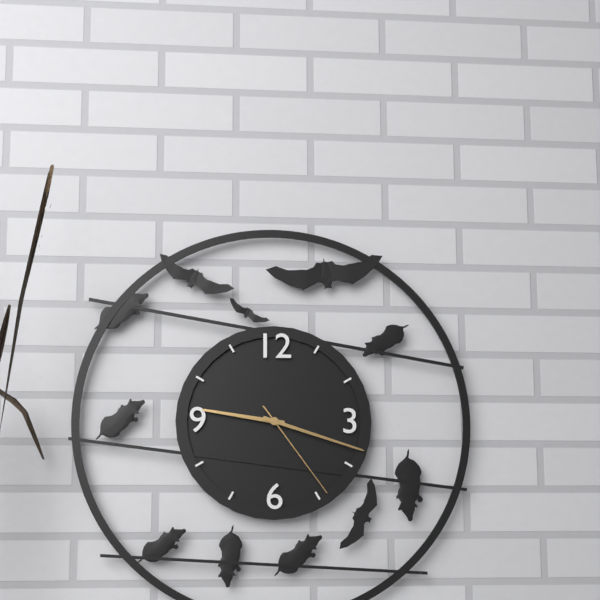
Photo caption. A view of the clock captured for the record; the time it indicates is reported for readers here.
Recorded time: 9:18:24
